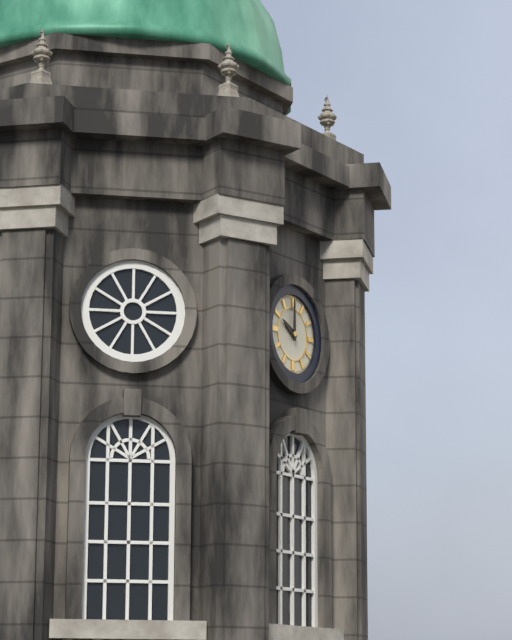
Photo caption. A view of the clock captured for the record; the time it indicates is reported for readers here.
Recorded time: 10:00
